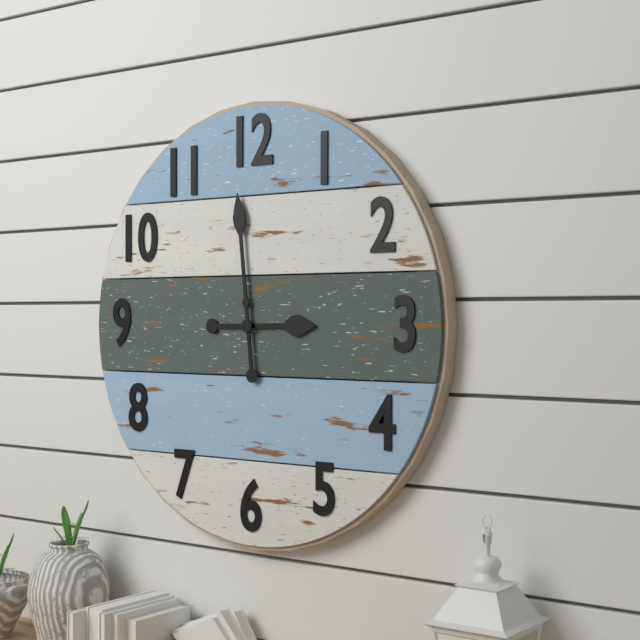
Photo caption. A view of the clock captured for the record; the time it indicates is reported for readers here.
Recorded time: 2:59
